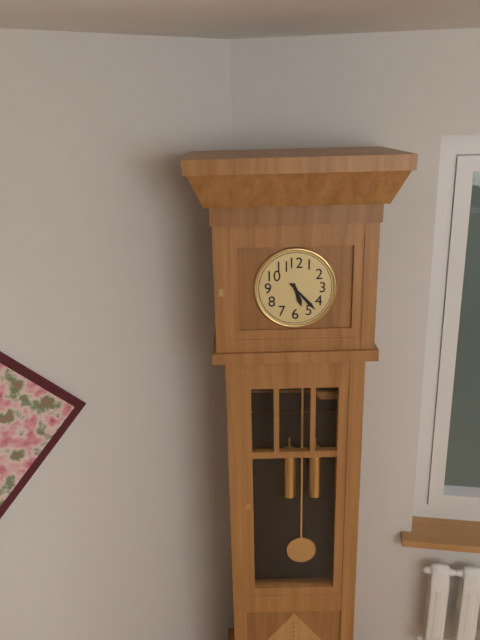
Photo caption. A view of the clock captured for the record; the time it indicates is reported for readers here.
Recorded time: 5:23
